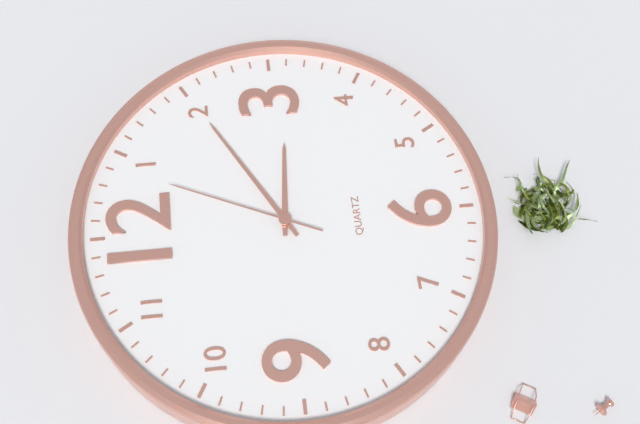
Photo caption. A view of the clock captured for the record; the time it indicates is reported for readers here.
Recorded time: 3:10:04
